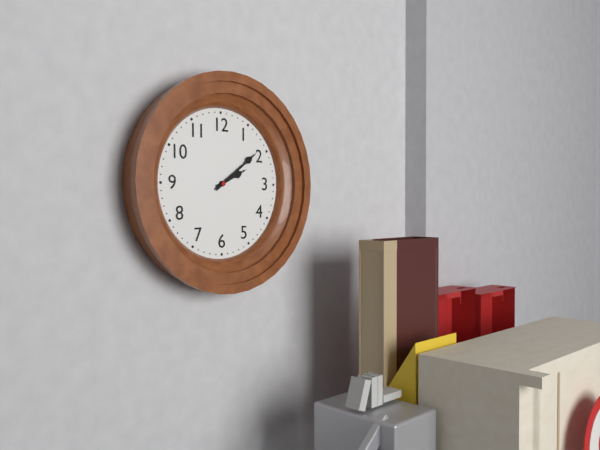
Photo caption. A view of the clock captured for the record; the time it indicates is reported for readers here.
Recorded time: 2:09
